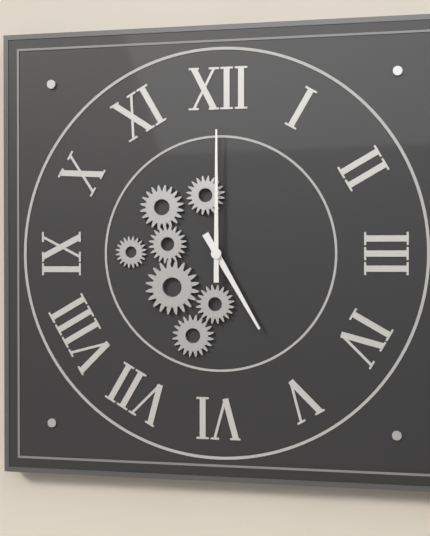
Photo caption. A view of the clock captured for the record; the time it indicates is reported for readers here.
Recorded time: 5:00
